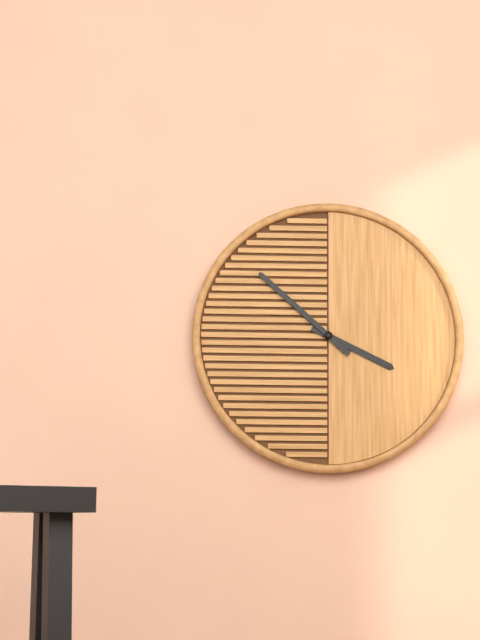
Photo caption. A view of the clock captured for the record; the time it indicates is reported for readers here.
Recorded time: 3:52
